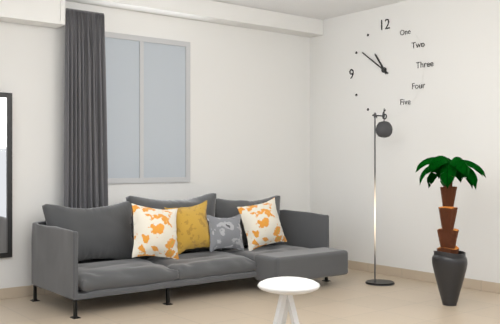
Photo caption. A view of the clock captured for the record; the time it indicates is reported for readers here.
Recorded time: 10:51
